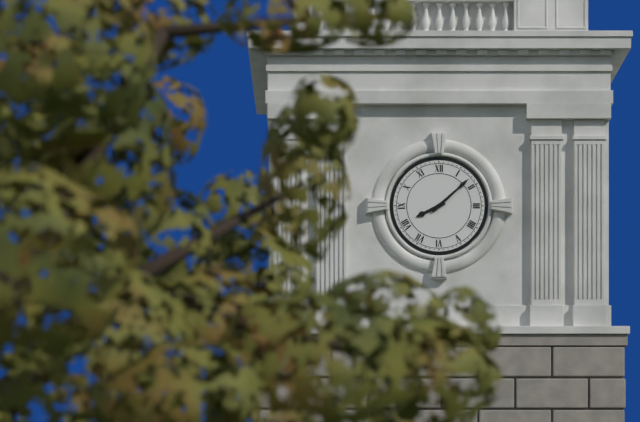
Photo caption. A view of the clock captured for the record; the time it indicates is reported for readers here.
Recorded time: 8:08
